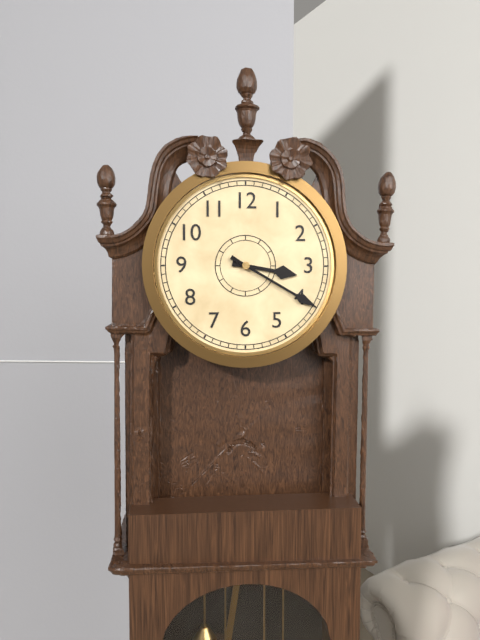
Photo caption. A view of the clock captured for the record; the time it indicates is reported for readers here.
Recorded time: 3:20
